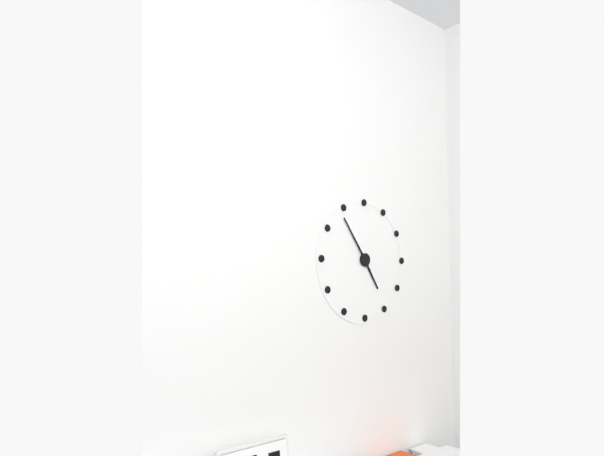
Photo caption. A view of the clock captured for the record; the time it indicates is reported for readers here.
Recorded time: 4:54
